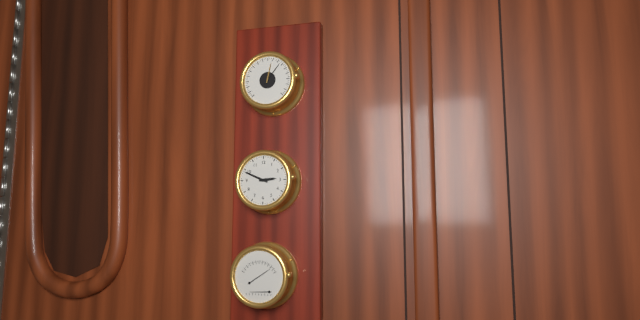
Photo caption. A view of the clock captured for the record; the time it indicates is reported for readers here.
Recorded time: 2:49
